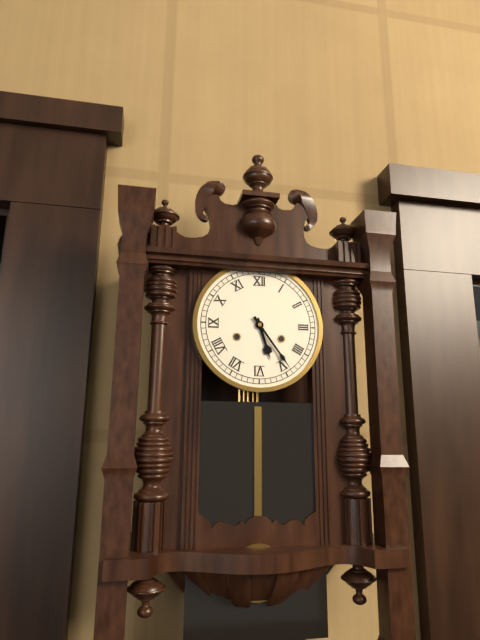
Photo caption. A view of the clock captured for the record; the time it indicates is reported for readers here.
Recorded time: 5:24
